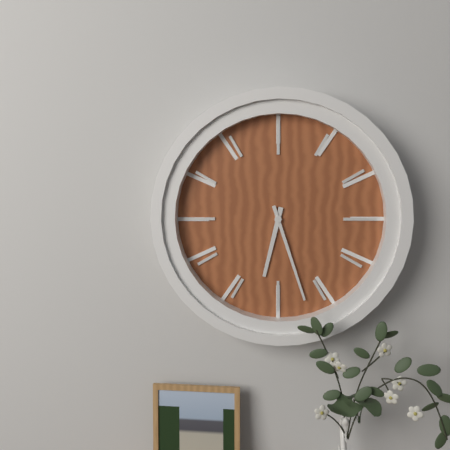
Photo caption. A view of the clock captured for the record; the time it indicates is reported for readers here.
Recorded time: 6:27
